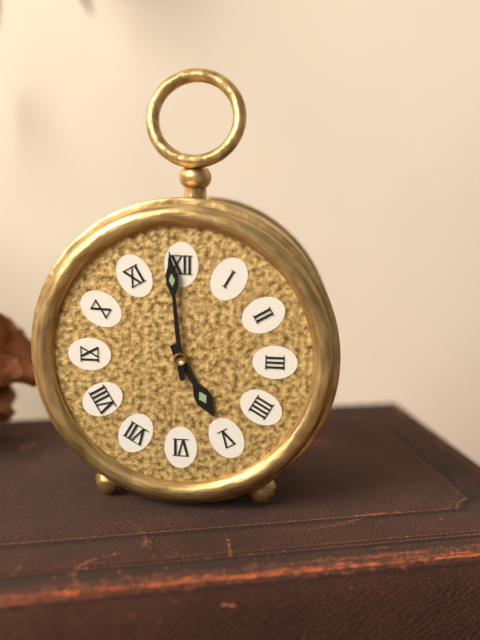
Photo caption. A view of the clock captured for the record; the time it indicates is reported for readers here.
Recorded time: 4:59
